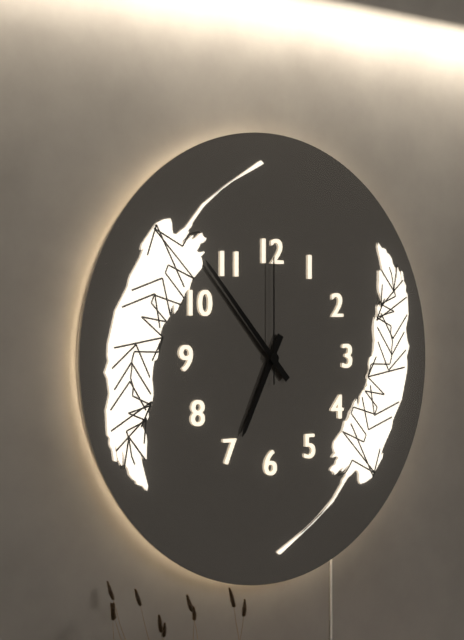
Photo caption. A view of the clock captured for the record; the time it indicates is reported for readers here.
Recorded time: 6:53:00
